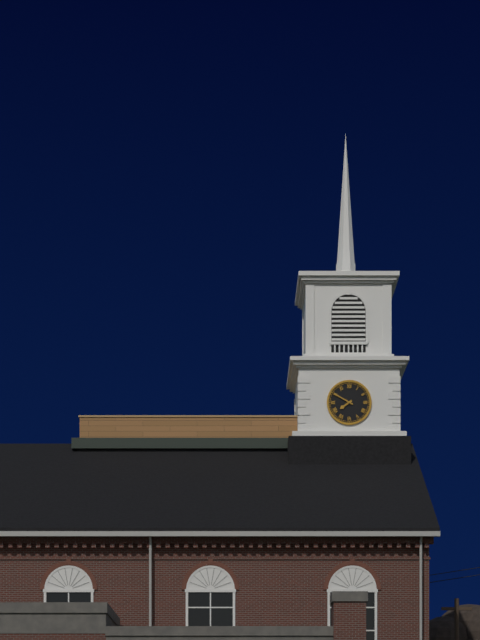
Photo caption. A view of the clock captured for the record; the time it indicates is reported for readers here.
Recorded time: 7:50
